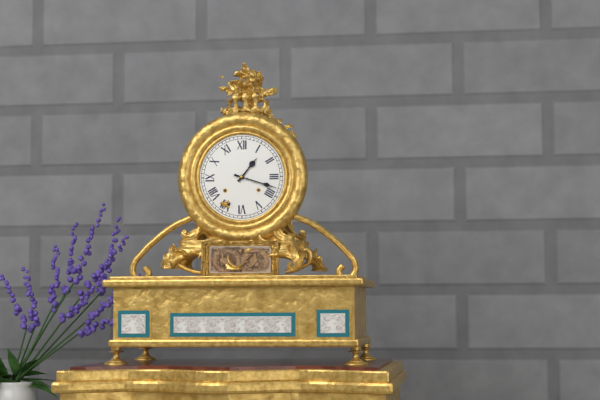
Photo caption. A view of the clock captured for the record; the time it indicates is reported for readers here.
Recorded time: 1:18
